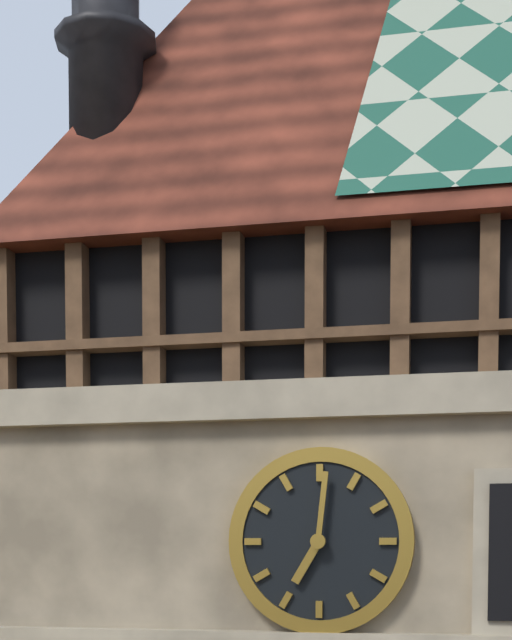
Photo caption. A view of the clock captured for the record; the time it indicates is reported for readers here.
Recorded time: 7:01
